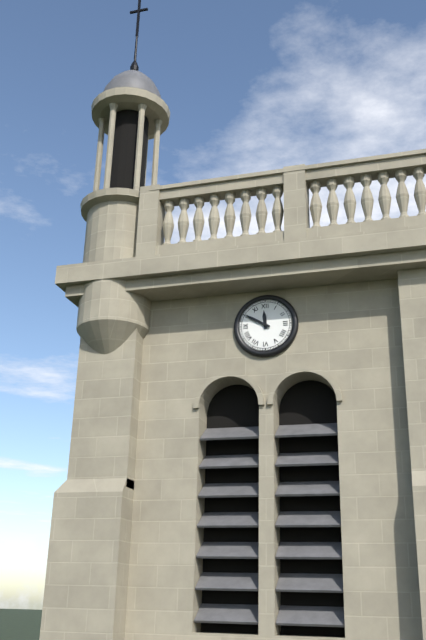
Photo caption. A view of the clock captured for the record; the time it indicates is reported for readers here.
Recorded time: 11:50
